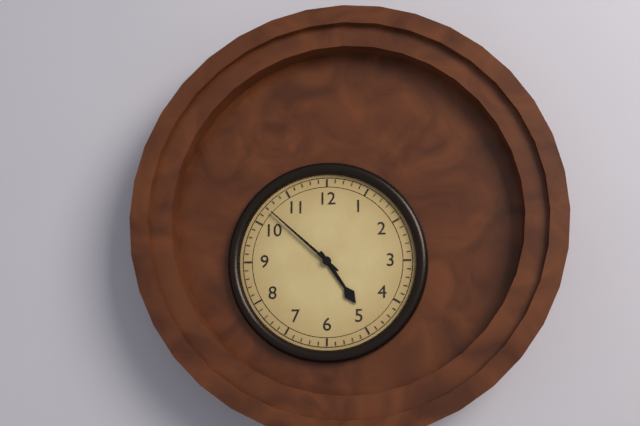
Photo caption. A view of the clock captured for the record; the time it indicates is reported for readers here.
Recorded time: 4:52
